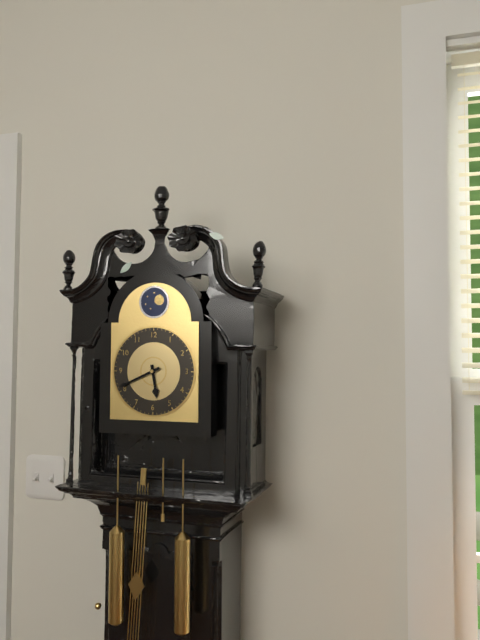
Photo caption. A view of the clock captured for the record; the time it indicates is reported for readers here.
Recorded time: 5:41
